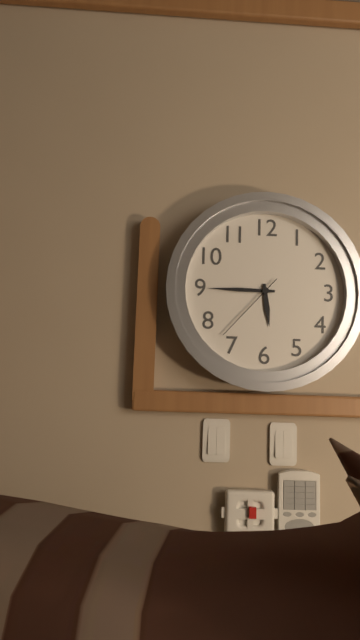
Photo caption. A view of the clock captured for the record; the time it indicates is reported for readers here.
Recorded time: 5:45:37
